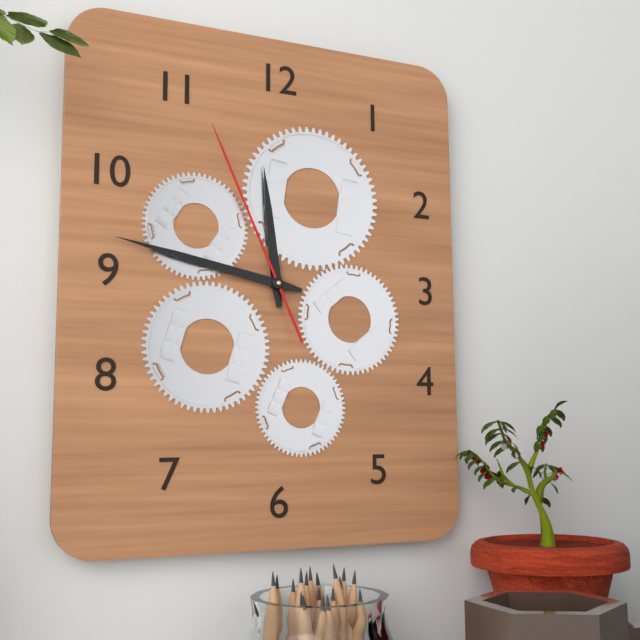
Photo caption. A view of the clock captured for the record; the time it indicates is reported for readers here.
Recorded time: 11:47:56
